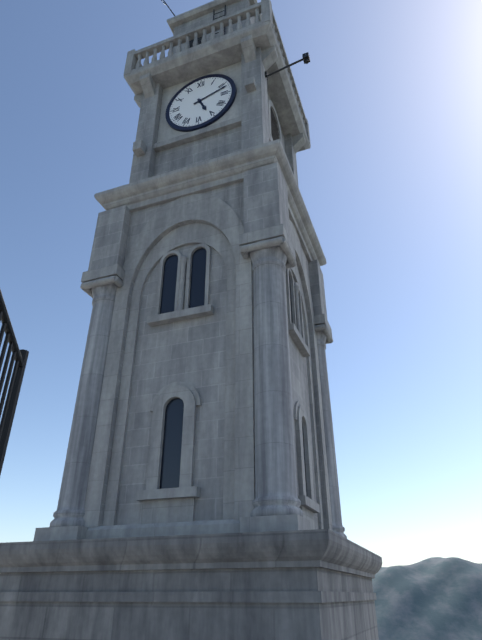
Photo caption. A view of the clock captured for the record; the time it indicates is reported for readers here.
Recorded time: 5:12
